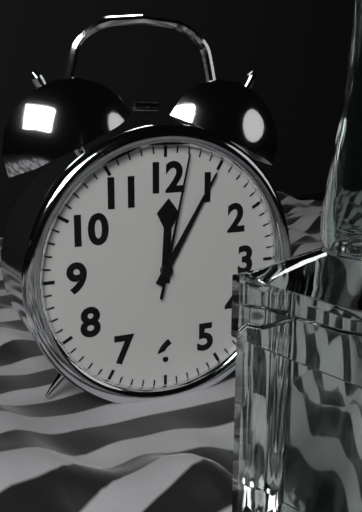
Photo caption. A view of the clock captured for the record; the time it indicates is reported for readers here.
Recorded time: 12:05:02
